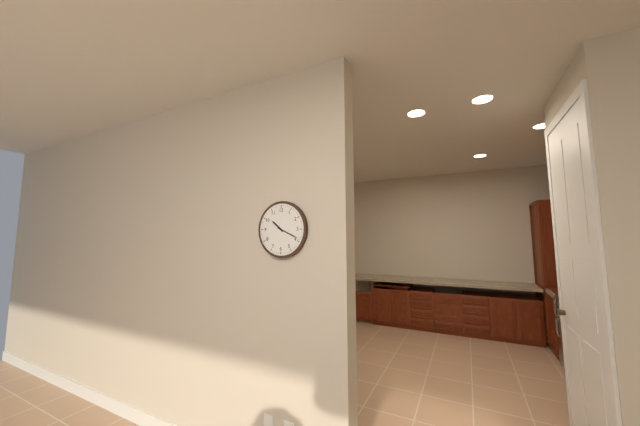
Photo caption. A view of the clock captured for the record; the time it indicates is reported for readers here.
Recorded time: 10:19
